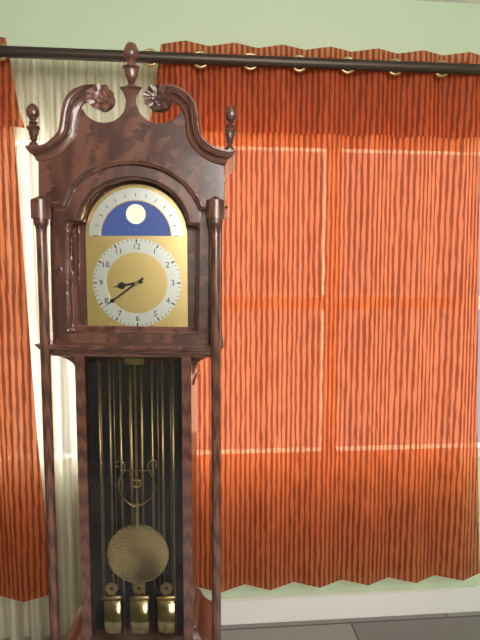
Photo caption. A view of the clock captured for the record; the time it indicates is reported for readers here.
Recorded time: 8:39
